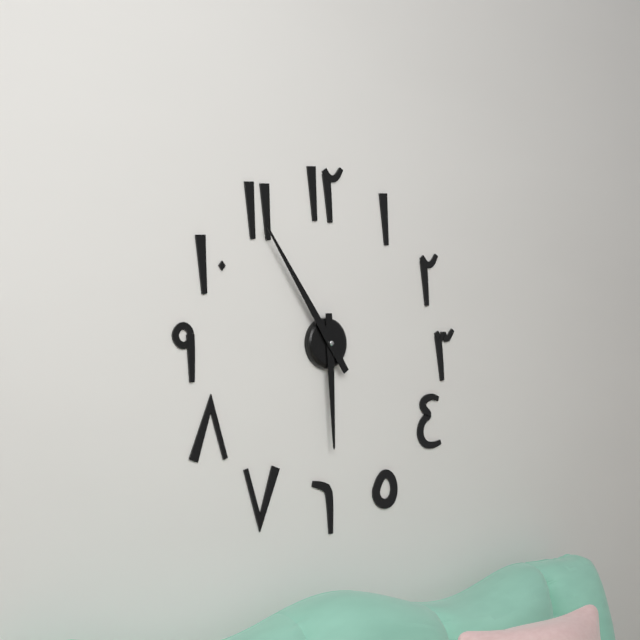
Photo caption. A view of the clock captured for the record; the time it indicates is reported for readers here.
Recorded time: 5:54
